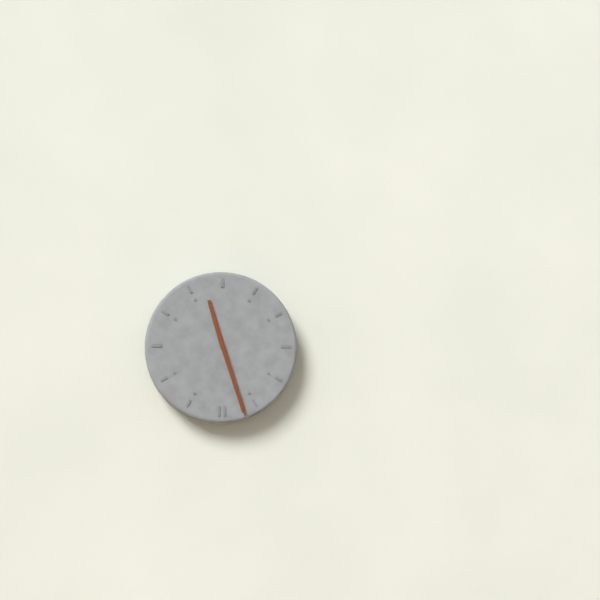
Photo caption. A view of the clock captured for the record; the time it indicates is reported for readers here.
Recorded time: 11:27
